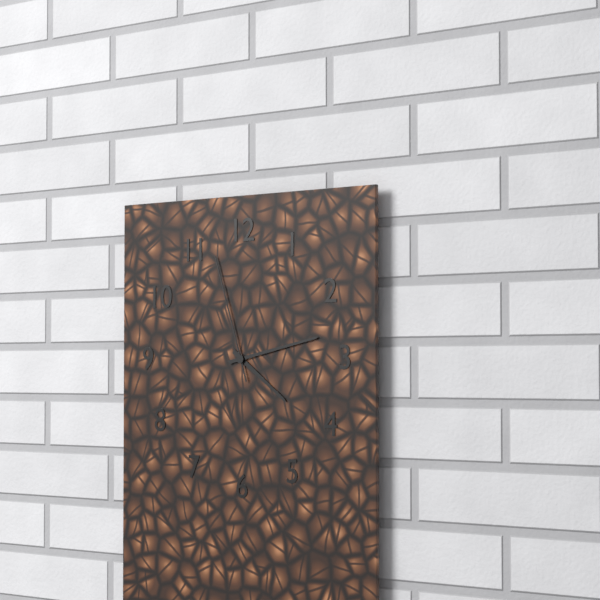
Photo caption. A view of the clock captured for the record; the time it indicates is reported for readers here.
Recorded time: 4:13:57
